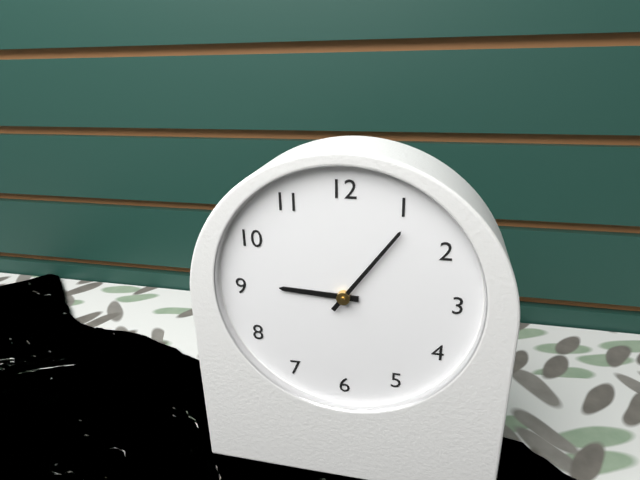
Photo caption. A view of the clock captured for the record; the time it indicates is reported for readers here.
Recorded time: 9:06
